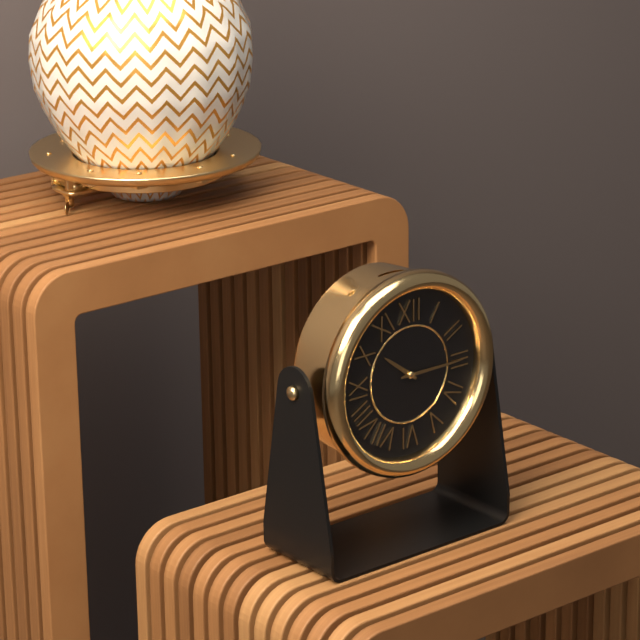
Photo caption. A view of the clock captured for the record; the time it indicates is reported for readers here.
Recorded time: 10:15
